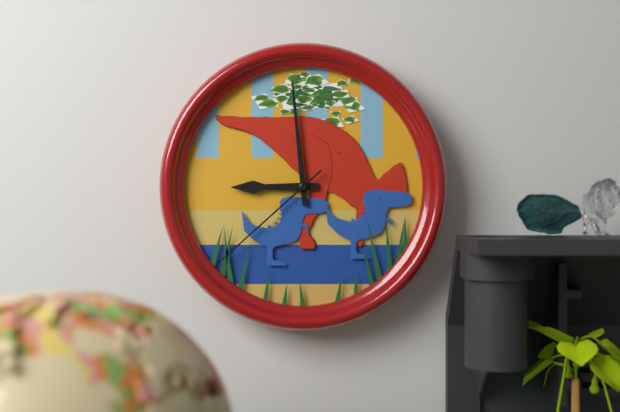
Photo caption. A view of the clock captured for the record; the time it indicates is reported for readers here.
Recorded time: 8:59:38
